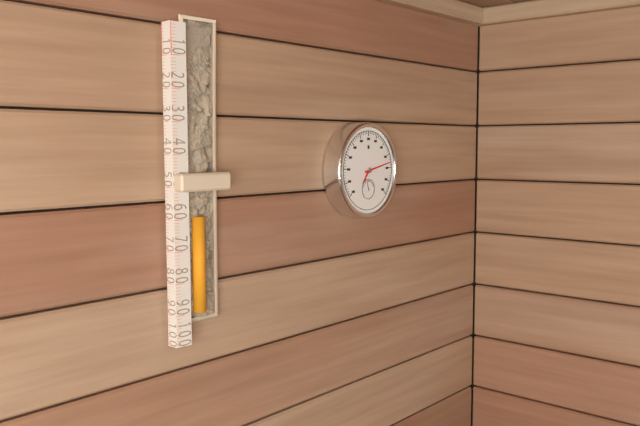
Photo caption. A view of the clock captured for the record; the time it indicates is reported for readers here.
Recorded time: 7:13
